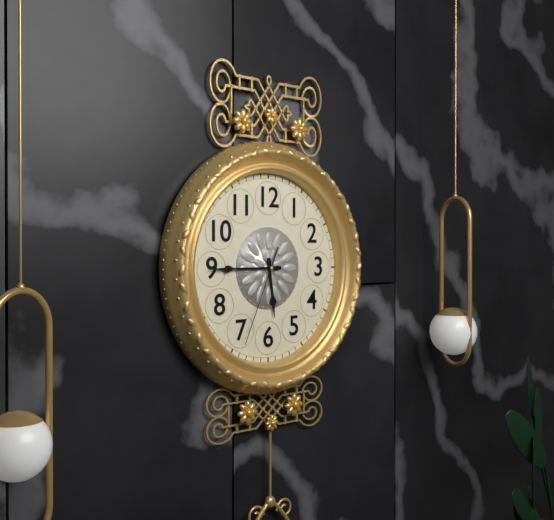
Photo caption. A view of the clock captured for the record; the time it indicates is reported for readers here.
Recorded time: 5:45:34
